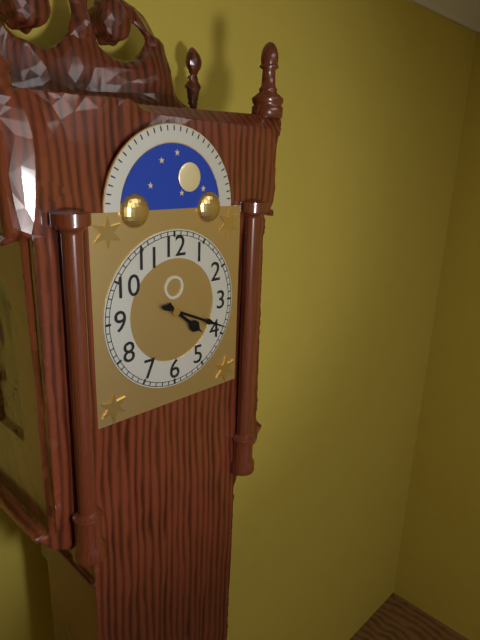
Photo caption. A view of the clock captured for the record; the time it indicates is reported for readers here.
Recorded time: 4:19
